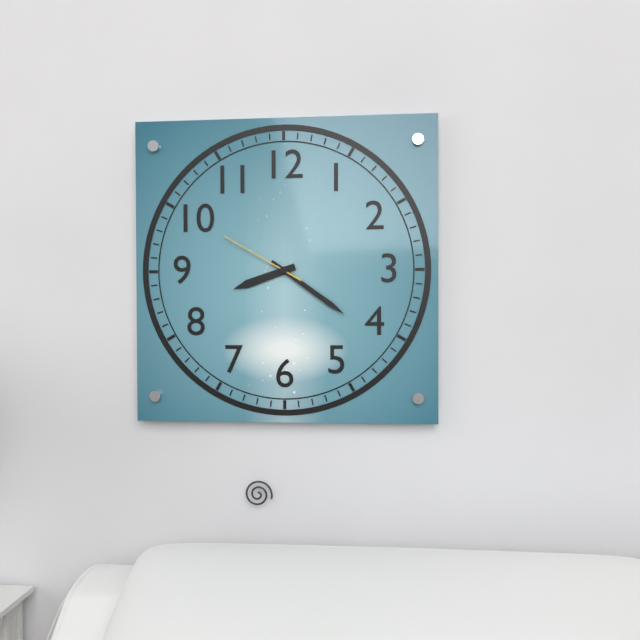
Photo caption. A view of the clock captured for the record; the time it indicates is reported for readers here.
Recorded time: 8:21:50
